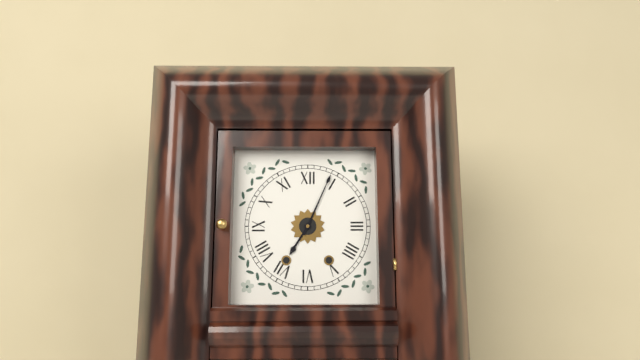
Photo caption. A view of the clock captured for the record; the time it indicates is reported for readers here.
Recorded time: 7:04
